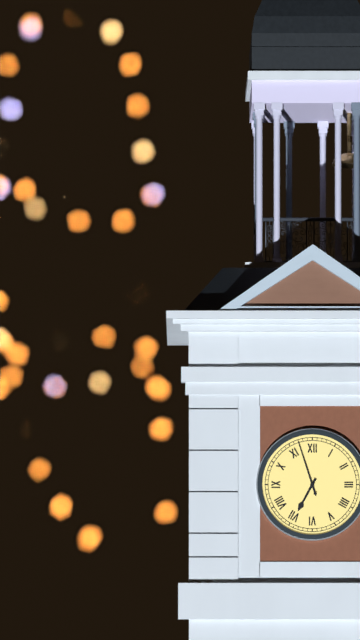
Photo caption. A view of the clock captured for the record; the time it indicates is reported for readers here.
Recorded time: 6:57
